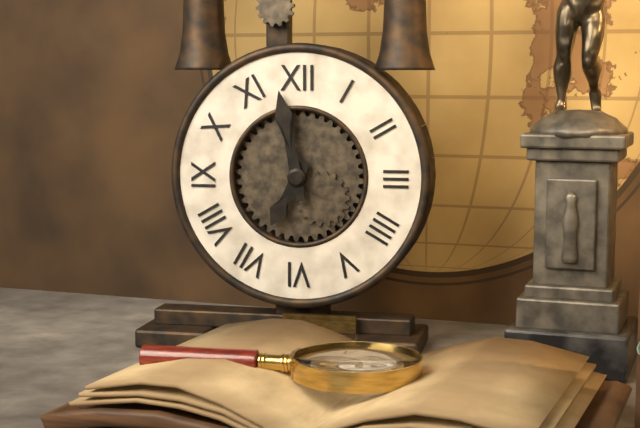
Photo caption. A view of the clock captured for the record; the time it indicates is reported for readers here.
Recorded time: 6:58
